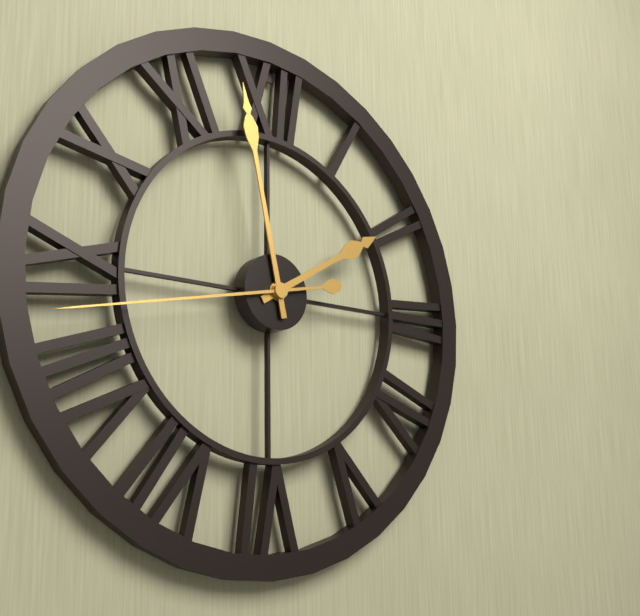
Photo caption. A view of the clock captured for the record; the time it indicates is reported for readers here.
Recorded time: 1:58:43
